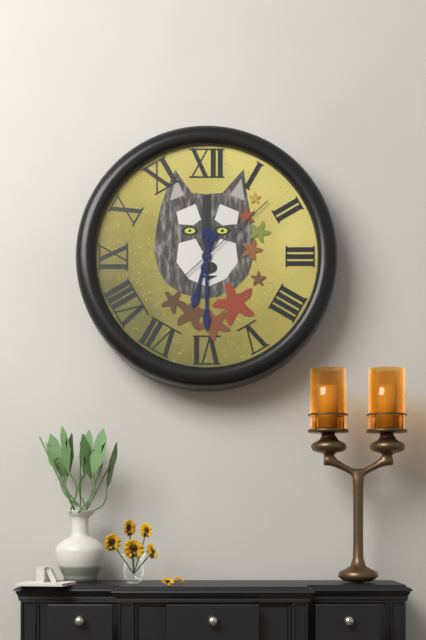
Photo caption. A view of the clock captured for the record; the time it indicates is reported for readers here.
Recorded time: 6:30:08
